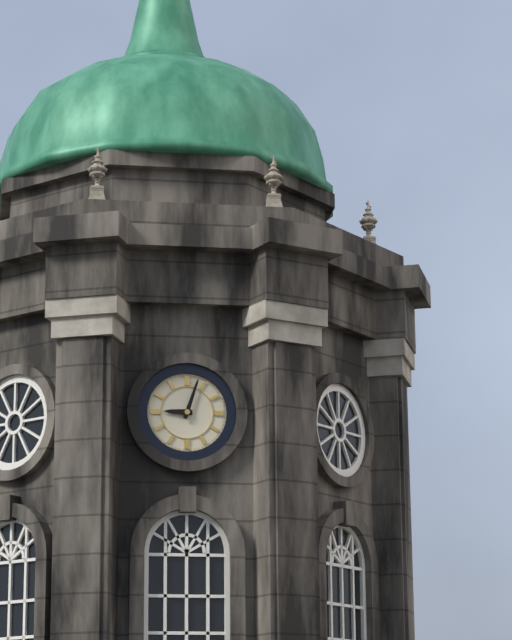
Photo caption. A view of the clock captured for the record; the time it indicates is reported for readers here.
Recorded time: 9:03
